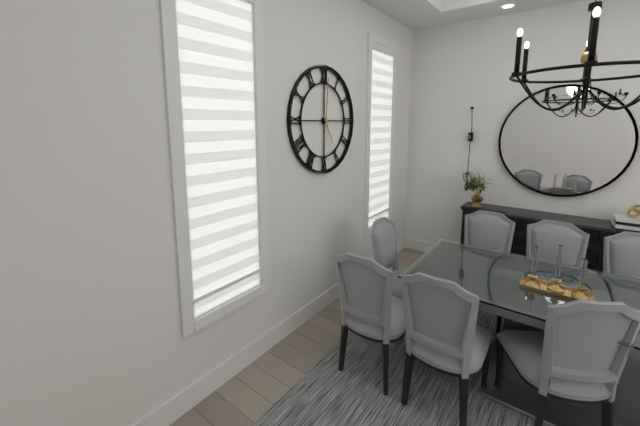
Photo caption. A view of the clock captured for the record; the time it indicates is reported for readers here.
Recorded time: 5:01
